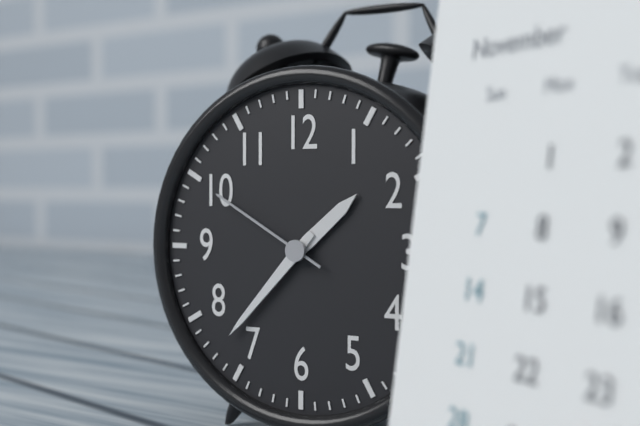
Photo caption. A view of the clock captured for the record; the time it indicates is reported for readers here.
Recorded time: 1:37:50
